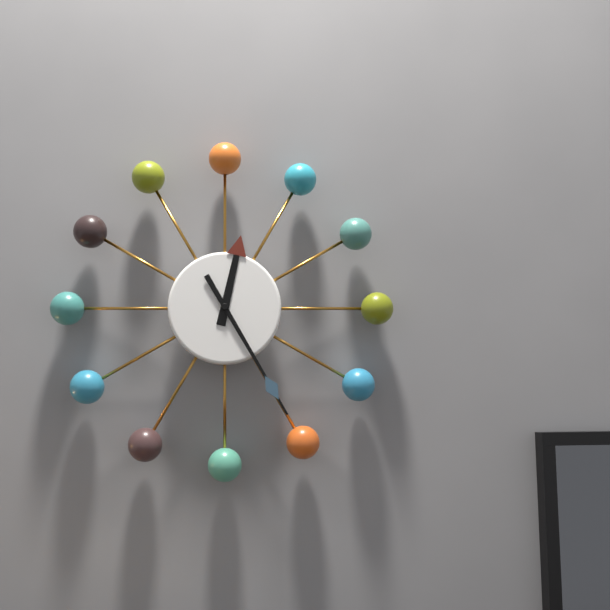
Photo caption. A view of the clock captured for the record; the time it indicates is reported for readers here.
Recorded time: 12:25
